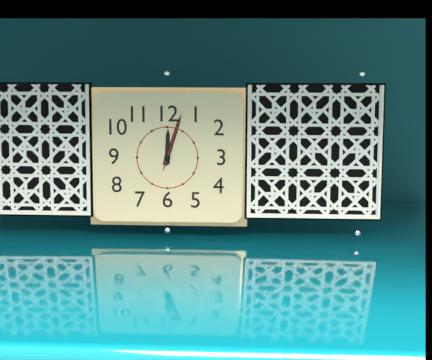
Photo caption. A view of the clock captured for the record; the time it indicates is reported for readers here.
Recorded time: 12:03:03
